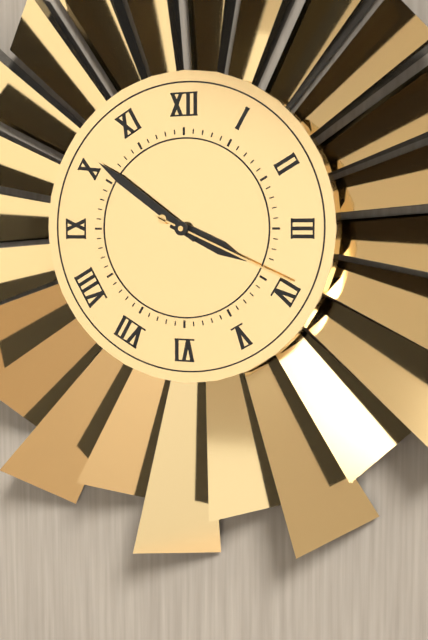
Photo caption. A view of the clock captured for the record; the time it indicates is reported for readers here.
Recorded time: 3:51:19
